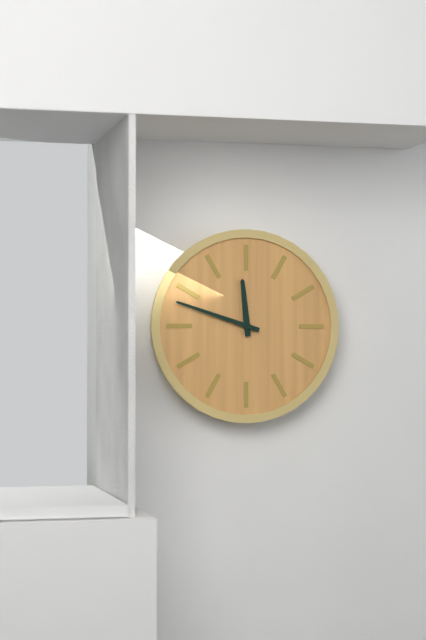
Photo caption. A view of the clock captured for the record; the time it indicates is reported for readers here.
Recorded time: 11:48
